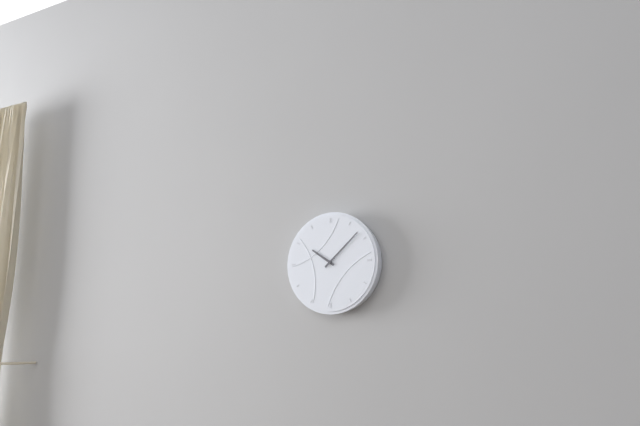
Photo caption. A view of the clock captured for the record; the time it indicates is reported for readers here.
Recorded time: 10:08
